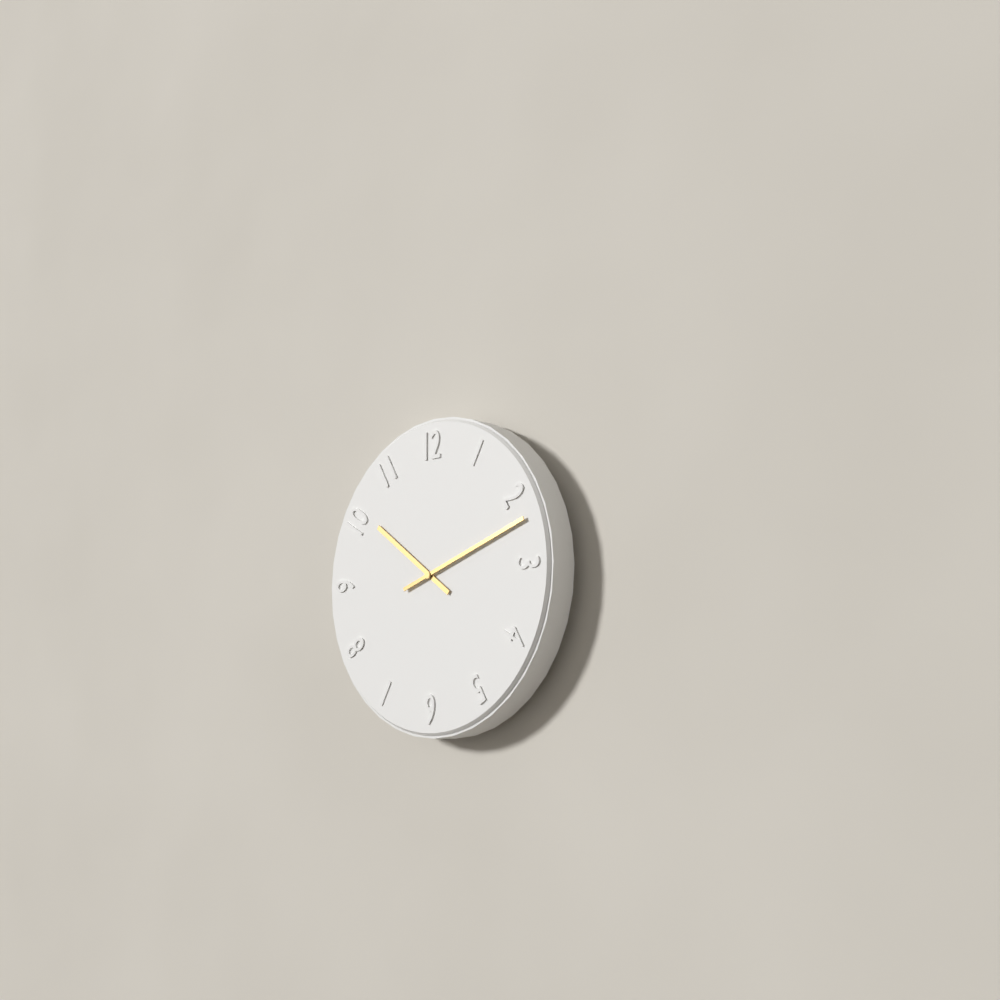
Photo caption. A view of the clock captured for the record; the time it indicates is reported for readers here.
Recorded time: 10:12
